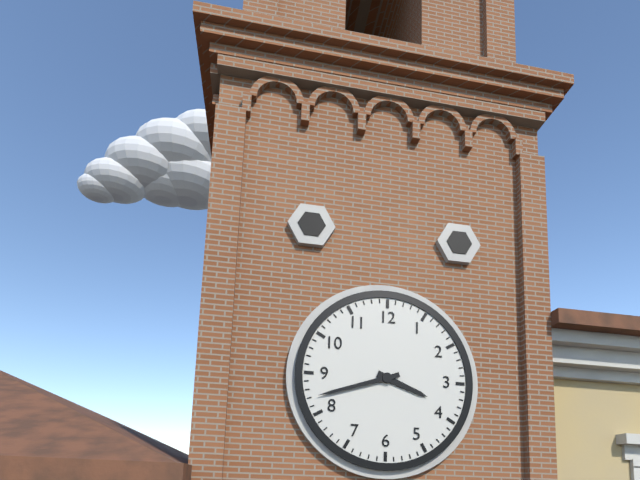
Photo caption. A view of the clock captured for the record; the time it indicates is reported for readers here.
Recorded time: 3:42
